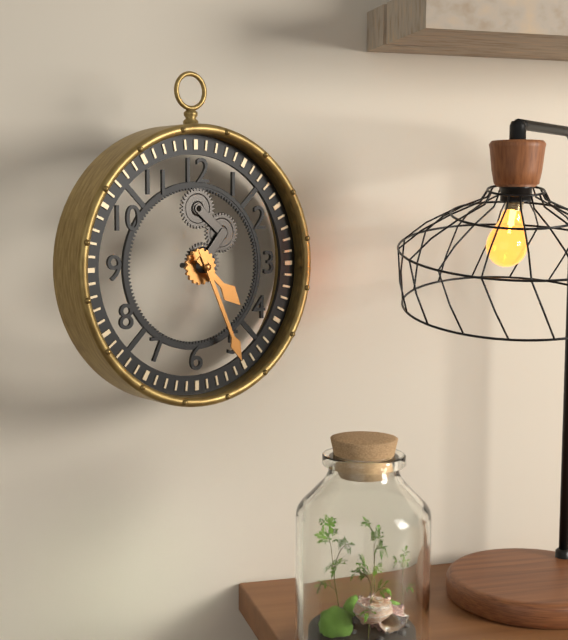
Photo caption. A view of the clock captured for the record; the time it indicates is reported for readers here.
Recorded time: 4:26
